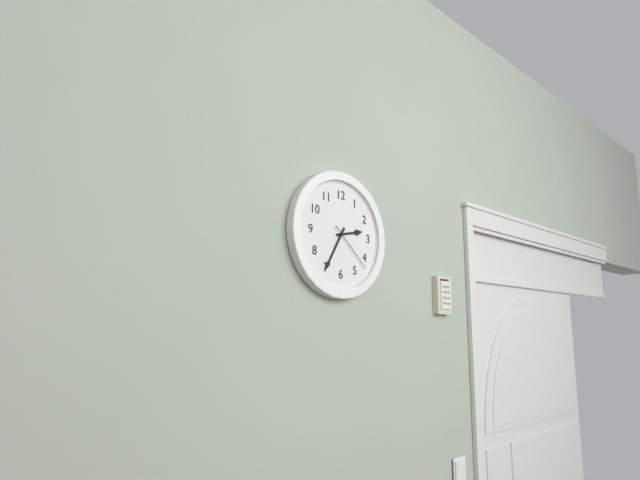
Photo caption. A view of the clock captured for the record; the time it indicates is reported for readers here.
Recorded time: 2:35:22
